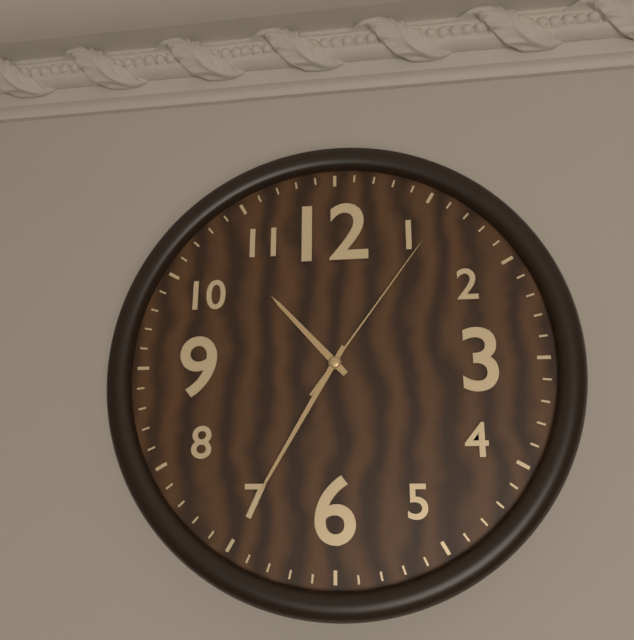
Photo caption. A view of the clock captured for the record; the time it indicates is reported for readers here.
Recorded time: 10:35:06
